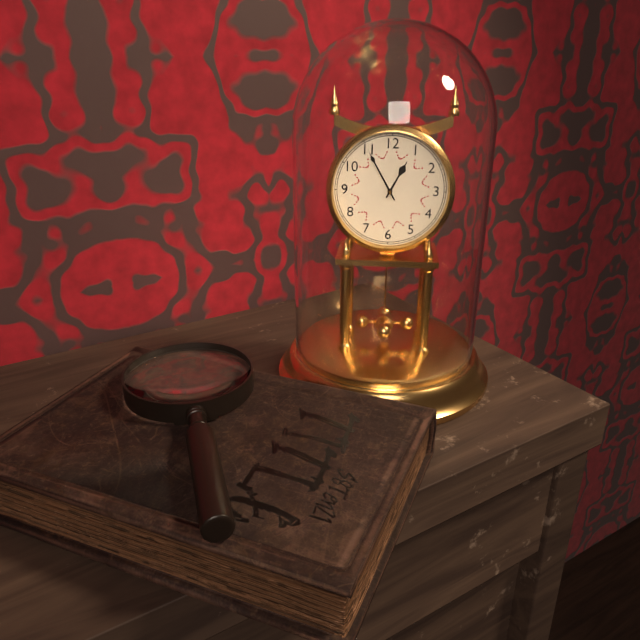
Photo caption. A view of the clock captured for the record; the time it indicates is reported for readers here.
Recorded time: 12:55
